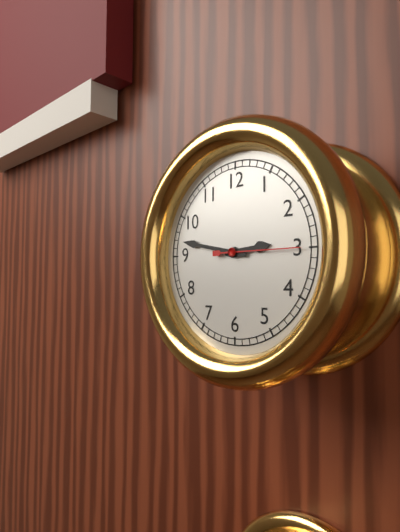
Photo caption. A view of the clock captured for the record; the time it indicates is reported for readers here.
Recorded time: 2:47:15
